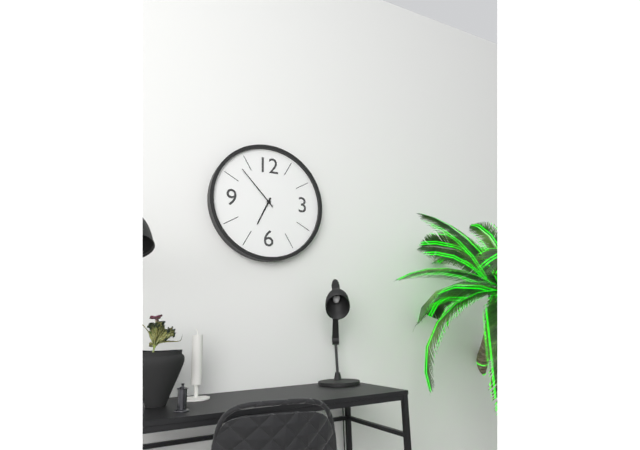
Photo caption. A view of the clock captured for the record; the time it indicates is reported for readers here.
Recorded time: 6:53
